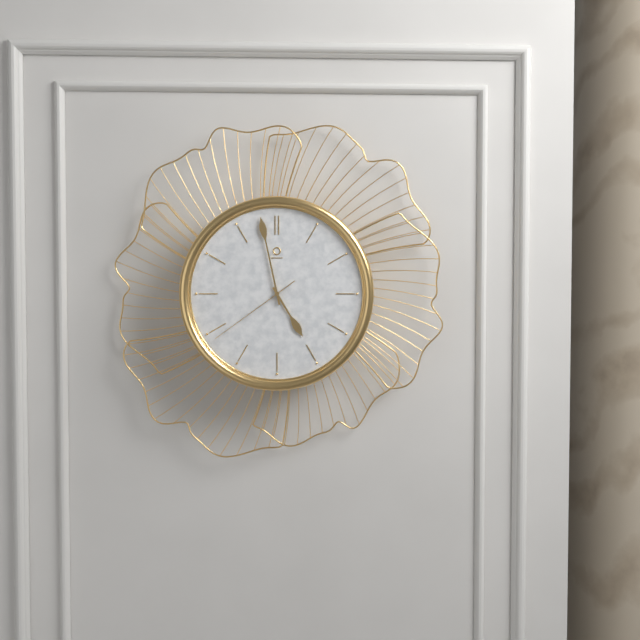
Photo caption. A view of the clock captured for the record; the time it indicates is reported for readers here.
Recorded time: 4:58:39
